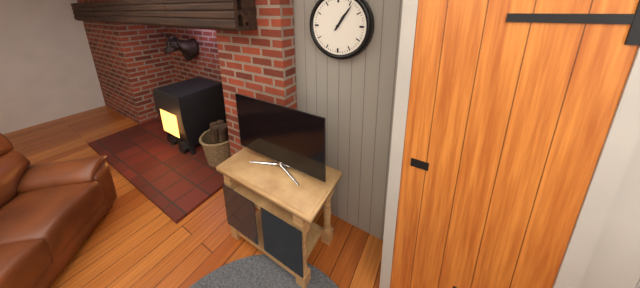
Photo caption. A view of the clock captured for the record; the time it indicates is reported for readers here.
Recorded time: 1:06
